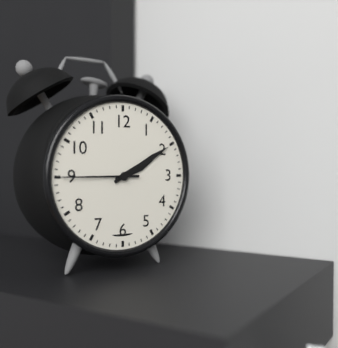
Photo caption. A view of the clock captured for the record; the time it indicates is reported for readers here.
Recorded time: 2:10:45
